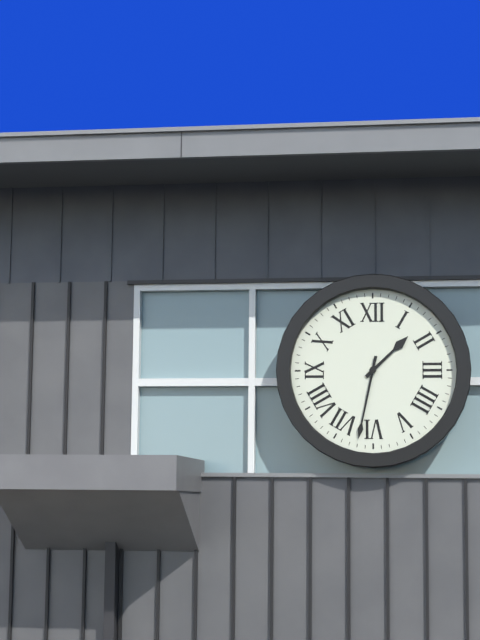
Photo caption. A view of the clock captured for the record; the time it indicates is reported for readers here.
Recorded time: 1:32
